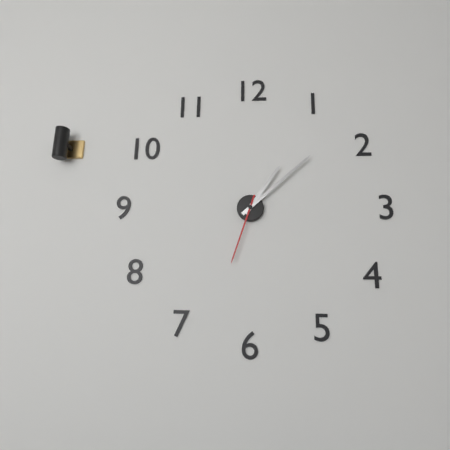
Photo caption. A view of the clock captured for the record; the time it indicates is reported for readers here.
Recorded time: 1:08:33
